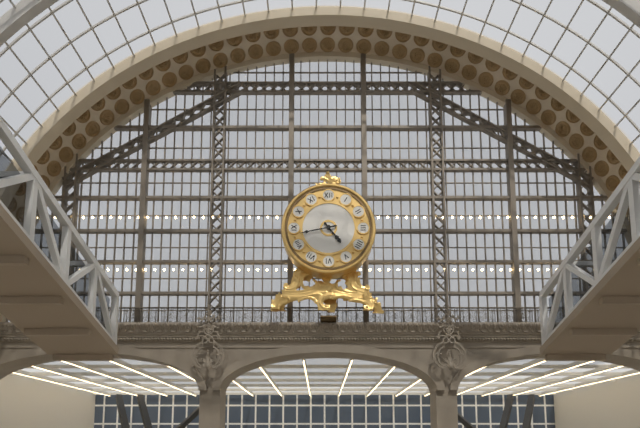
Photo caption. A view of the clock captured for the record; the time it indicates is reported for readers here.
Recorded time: 4:43
